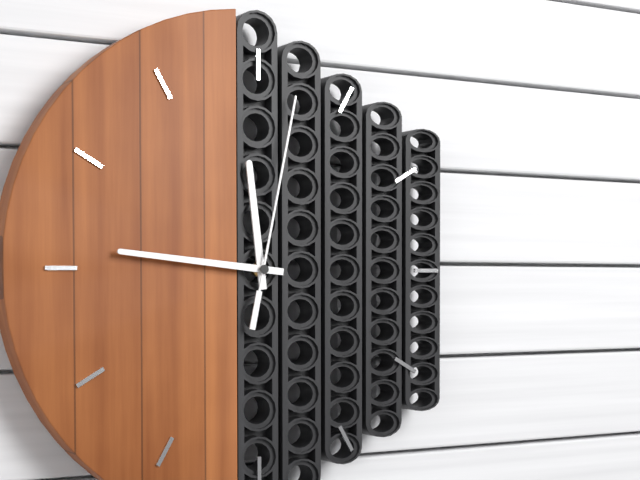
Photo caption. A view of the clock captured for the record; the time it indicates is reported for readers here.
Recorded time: 11:46:02
